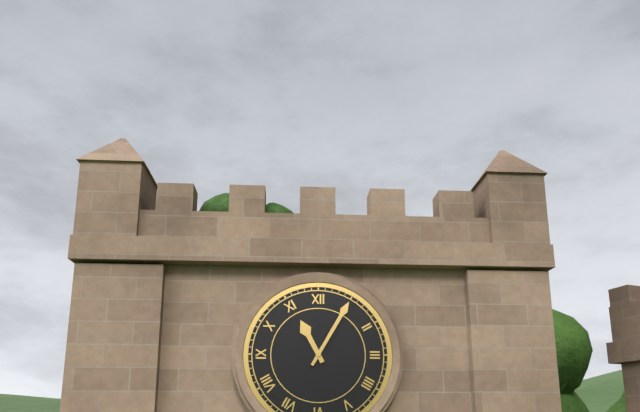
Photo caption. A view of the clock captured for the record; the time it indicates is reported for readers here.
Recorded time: 11:05
